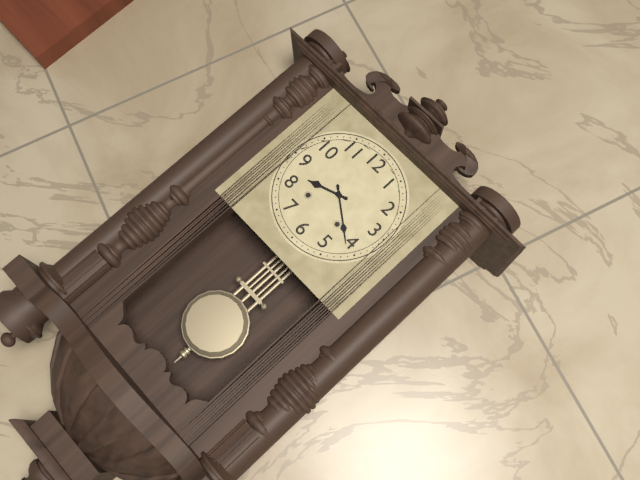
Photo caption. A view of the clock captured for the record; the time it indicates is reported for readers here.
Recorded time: 8:21
